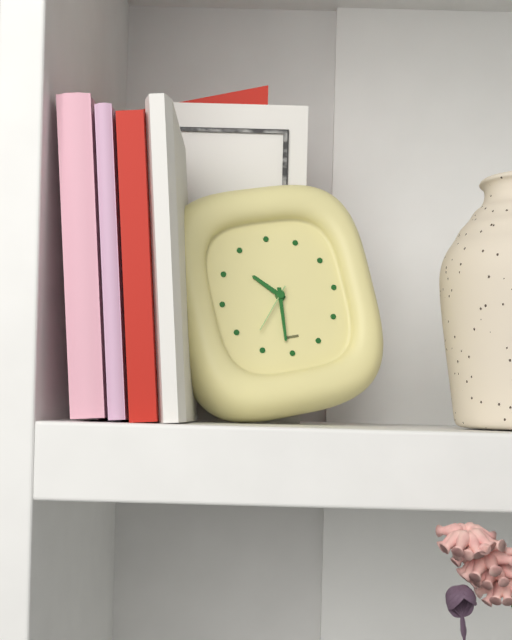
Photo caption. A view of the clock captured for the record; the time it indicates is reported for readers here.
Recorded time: 10:31
